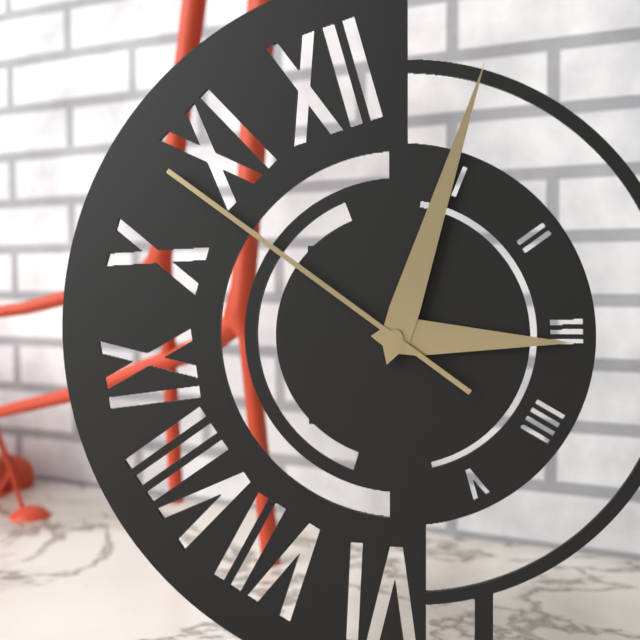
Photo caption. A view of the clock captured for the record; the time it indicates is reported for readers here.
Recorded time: 3:03:51
